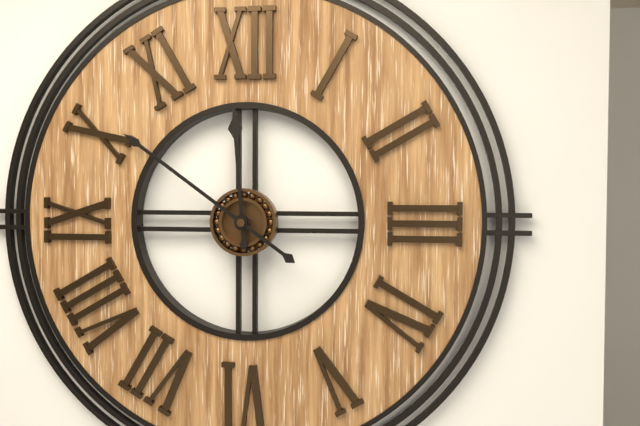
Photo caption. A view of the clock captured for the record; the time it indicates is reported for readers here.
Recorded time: 11:51
